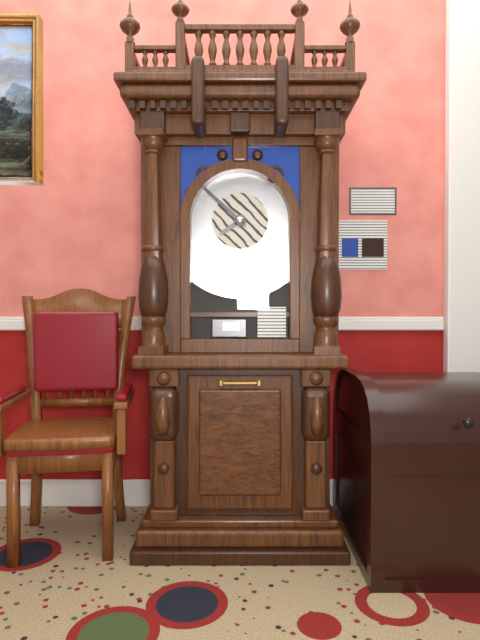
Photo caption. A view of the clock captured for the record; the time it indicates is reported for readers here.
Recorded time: 7:52
